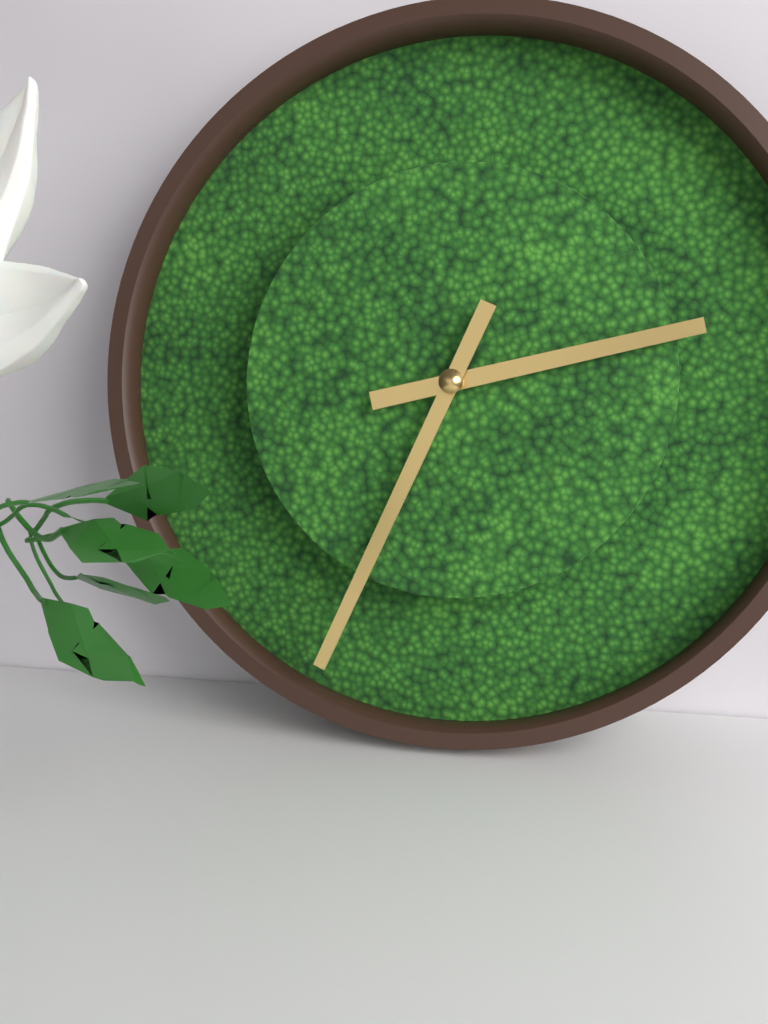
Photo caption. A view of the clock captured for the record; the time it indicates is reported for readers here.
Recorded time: 2:34
